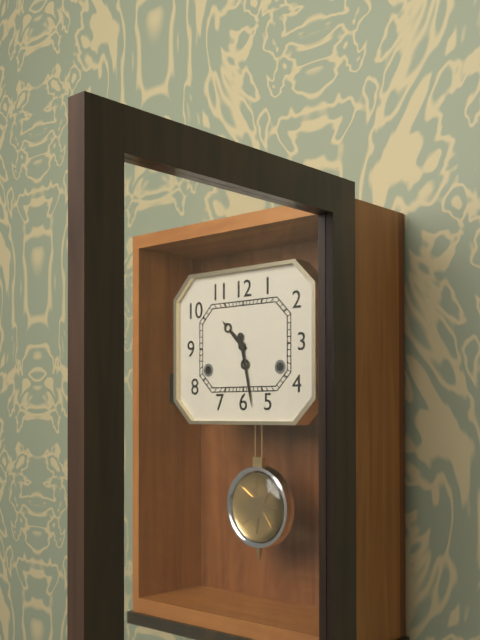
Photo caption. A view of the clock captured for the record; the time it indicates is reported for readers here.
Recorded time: 10:28
